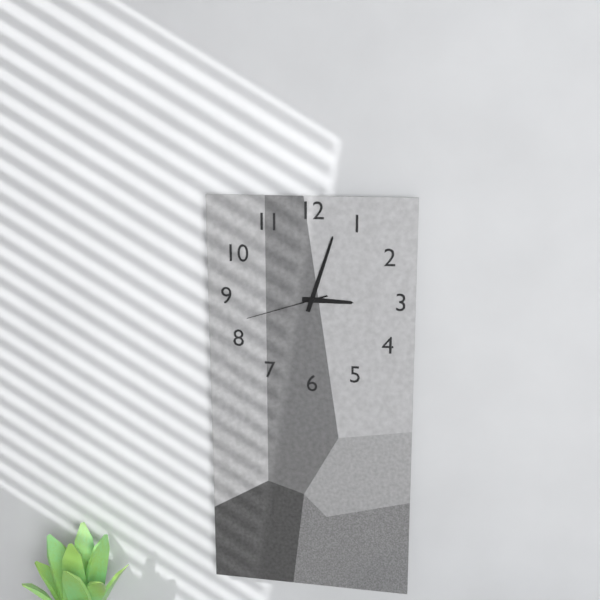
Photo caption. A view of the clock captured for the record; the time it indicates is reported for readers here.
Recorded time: 3:03:42
